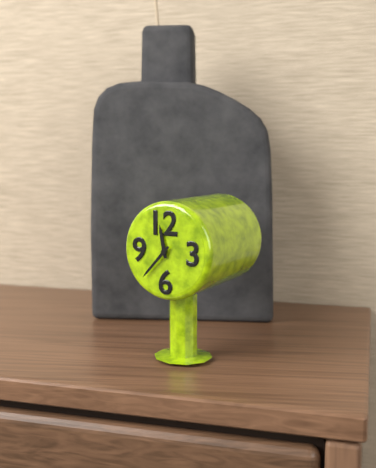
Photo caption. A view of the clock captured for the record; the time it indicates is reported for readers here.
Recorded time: 11:37
